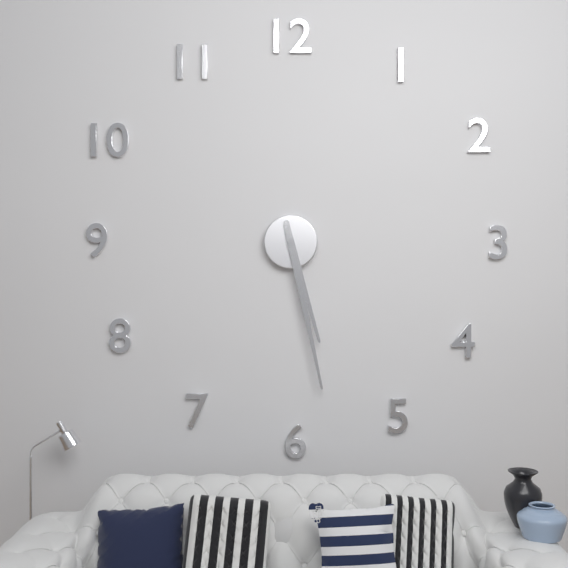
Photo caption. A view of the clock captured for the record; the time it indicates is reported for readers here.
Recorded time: 5:28
